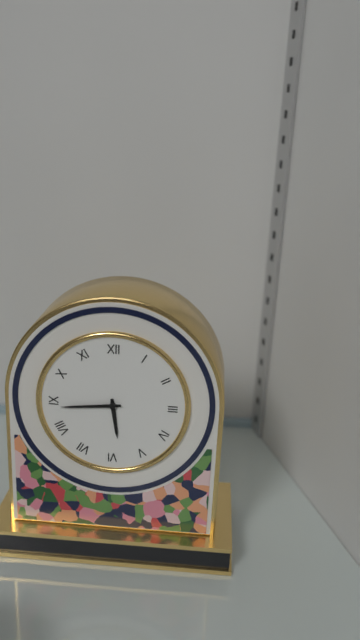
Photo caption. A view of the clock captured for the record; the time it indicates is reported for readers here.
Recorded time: 5:44
